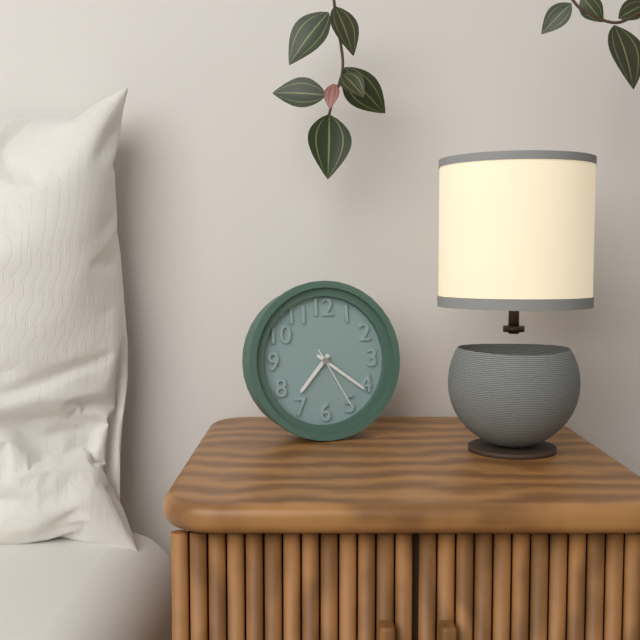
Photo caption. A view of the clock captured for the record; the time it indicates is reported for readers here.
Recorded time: 7:21:25
